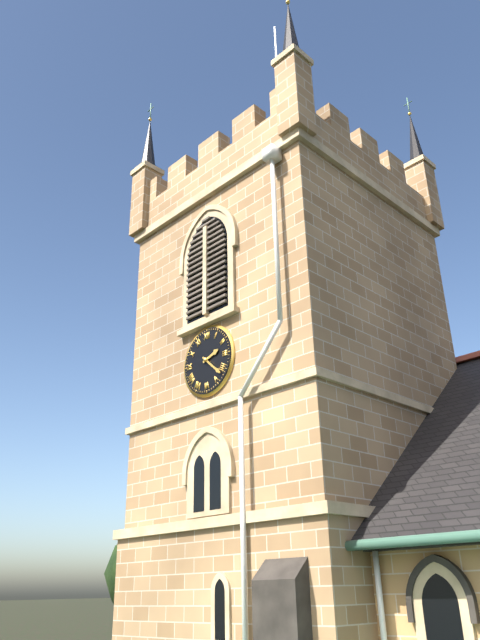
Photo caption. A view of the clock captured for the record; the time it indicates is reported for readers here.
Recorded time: 2:22
